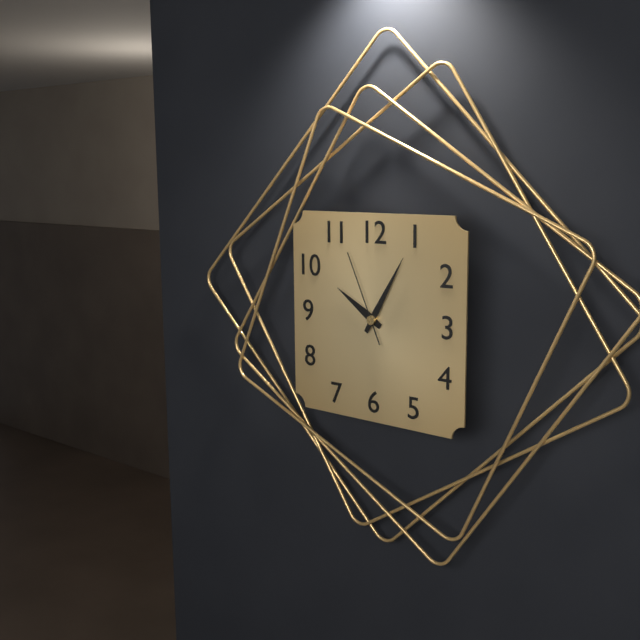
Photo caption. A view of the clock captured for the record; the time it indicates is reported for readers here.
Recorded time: 10:05:56
